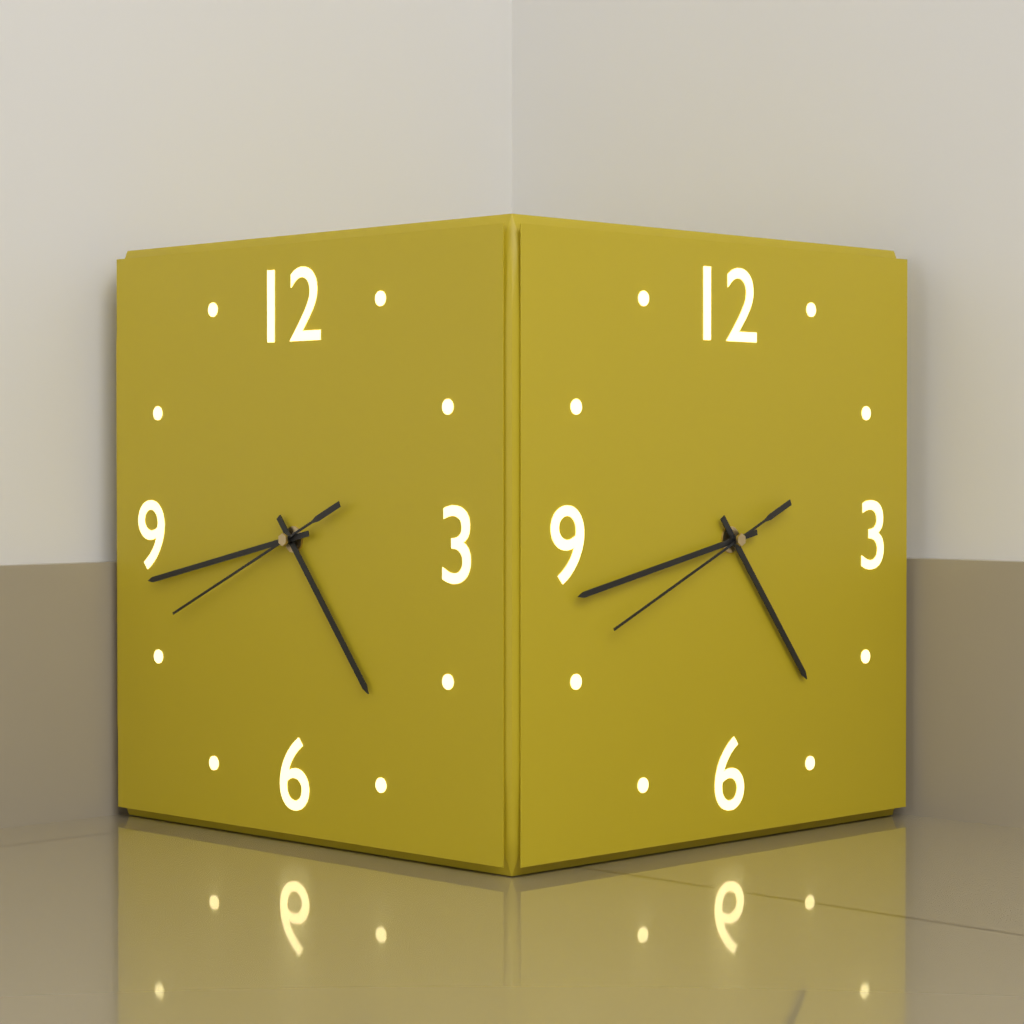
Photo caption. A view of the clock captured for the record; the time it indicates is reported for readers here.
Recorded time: 4:43:41
